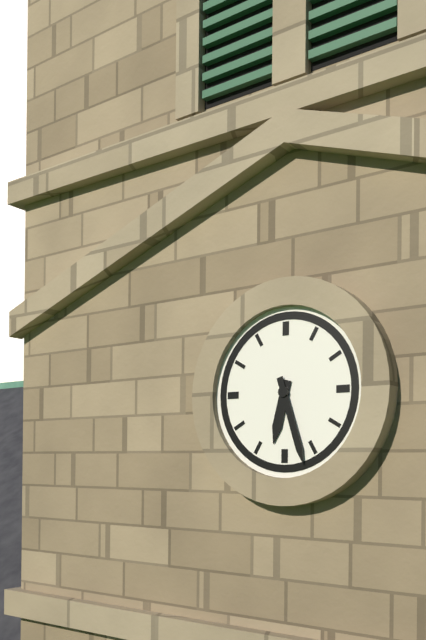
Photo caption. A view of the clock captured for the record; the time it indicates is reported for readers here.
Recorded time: 6:27
